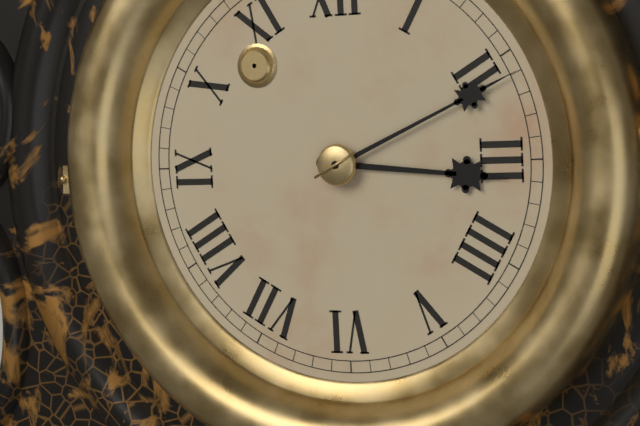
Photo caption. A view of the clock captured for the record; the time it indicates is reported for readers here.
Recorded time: 3:11
